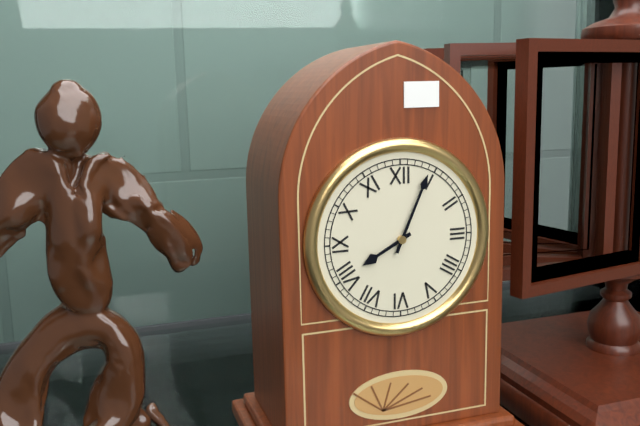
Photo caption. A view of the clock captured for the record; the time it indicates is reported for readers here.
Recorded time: 8:04
